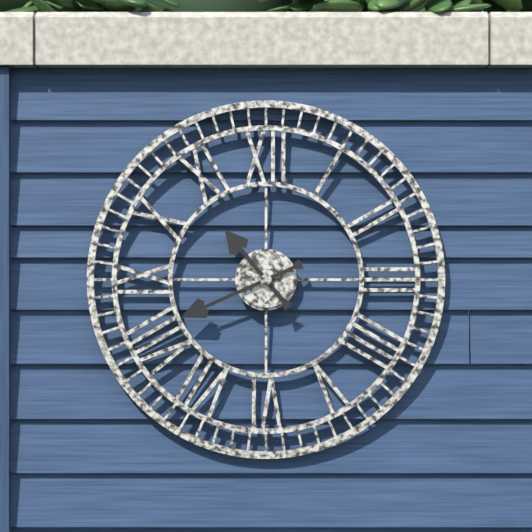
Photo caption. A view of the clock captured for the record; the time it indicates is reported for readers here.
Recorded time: 10:41
